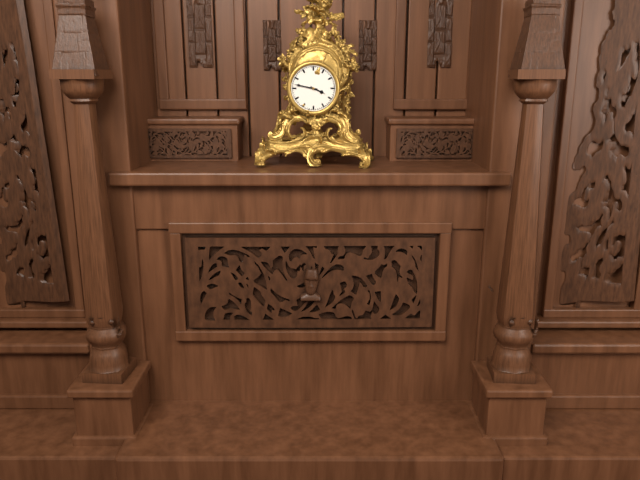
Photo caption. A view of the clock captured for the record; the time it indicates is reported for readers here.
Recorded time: 3:47
